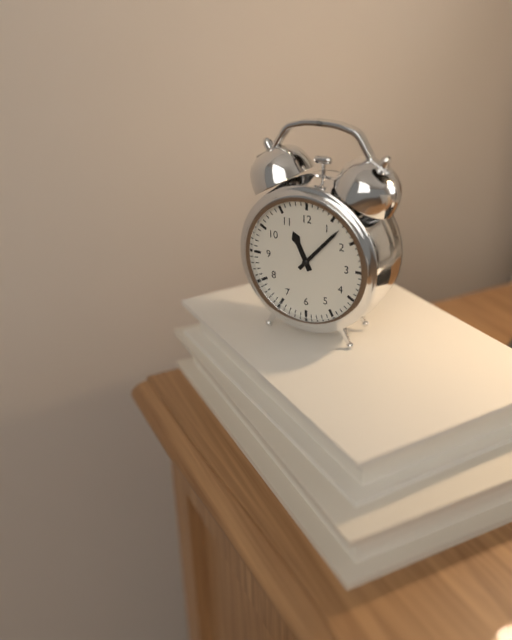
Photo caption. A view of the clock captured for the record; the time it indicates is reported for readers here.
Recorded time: 11:07
